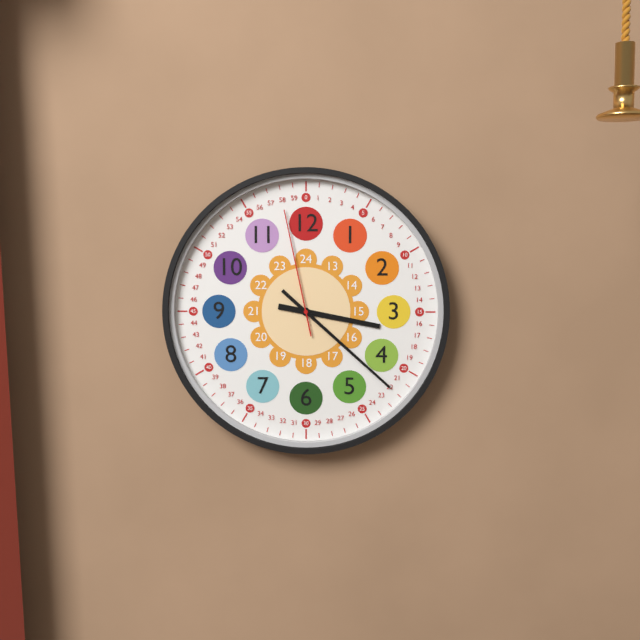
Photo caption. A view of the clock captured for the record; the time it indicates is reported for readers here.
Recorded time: 3:22:58
